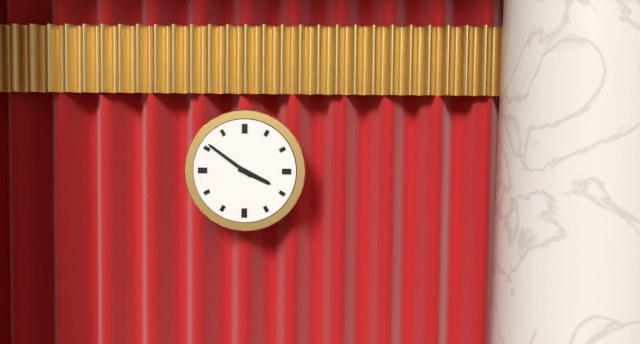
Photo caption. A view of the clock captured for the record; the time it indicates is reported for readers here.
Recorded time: 3:51
